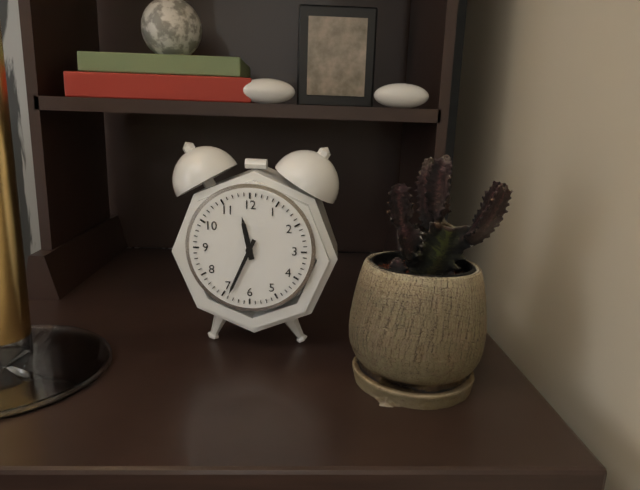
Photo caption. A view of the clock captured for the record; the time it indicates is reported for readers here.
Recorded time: 11:34
